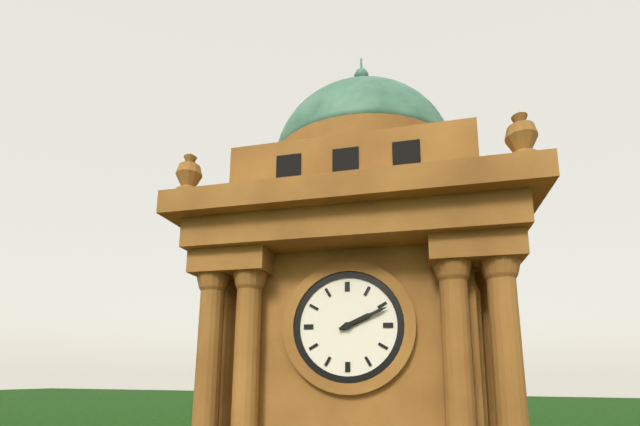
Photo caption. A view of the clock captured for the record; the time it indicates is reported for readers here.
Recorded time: 2:11
